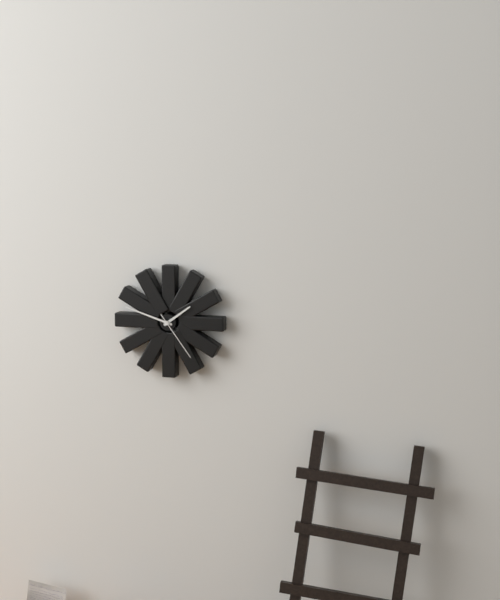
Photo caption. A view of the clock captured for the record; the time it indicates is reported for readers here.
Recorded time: 1:48:24
